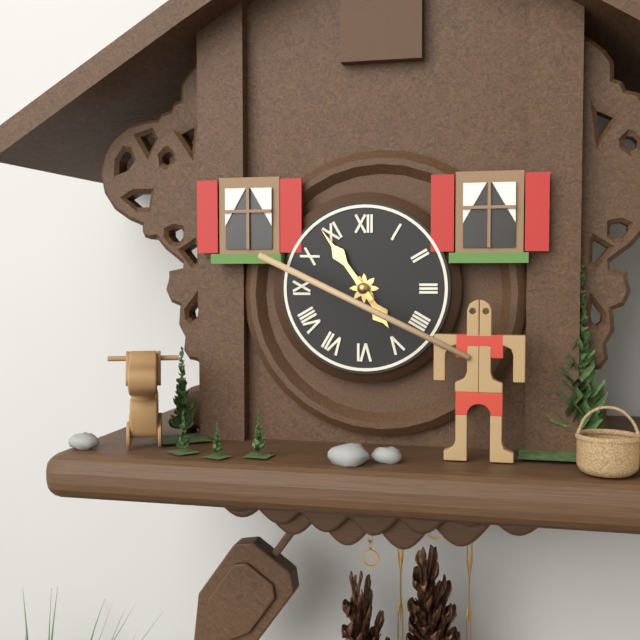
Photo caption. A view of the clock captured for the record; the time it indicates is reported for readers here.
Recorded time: 4:54
